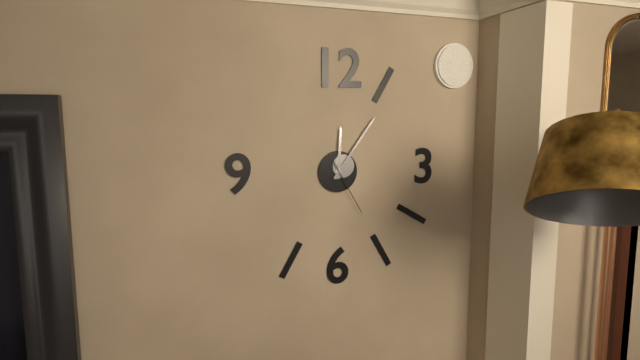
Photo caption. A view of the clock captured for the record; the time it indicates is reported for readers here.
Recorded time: 12:06:25
